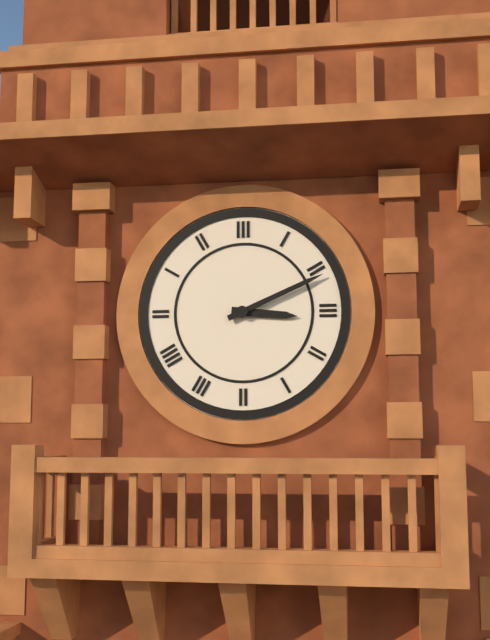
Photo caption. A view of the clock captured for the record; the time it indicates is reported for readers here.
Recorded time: 3:11
